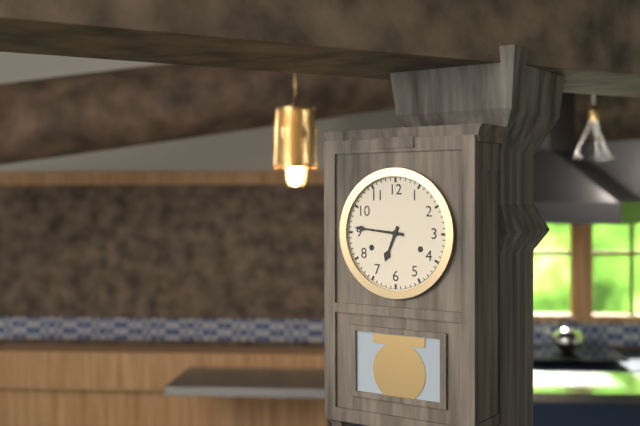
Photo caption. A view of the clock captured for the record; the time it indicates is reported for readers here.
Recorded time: 6:46
